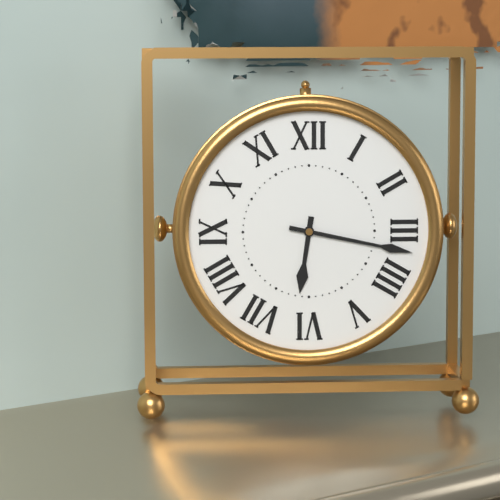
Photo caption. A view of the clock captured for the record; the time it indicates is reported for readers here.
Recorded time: 6:17
